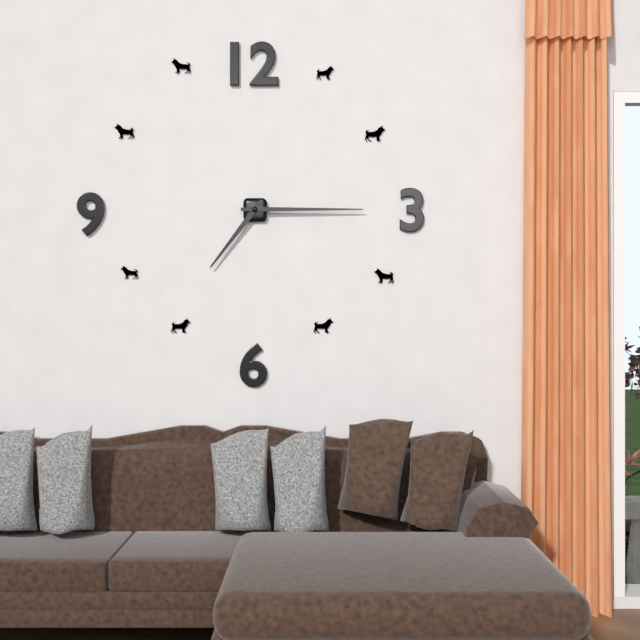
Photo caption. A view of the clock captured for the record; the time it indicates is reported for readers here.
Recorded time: 7:15
